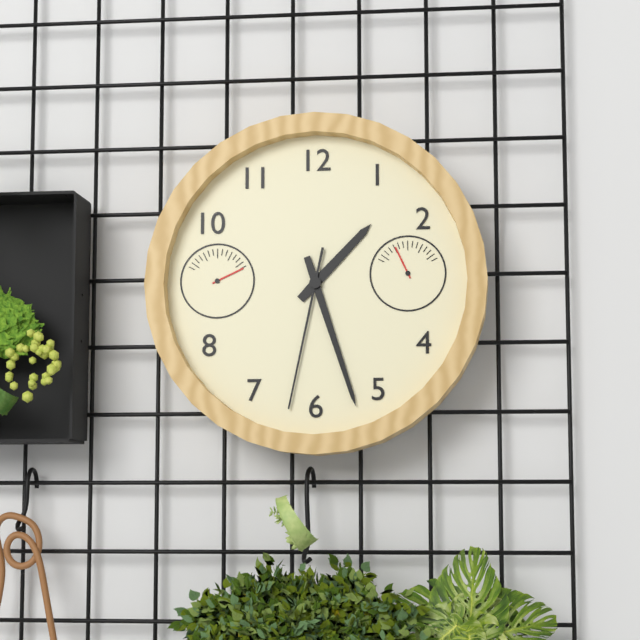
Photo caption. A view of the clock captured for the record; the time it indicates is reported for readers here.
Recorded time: 1:27:32
